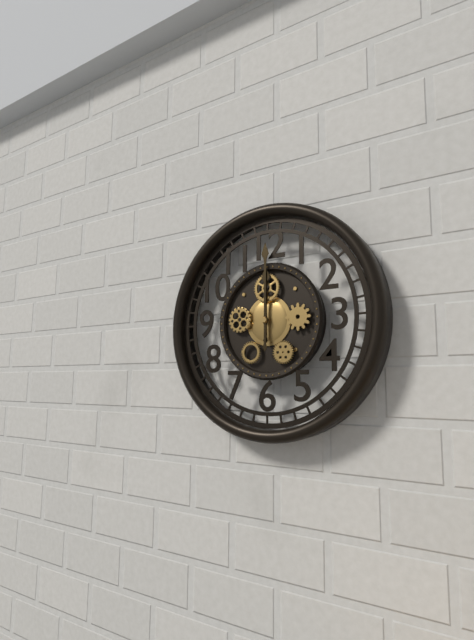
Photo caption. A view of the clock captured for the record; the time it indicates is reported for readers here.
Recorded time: 12:00
